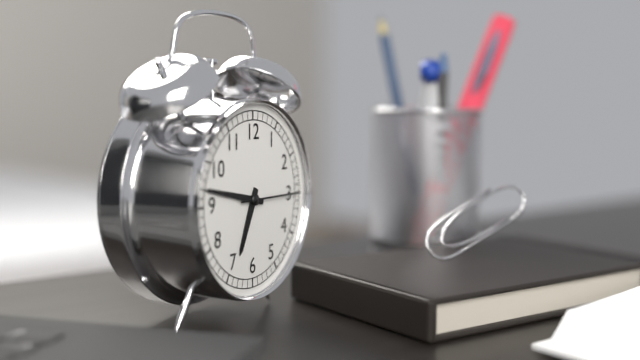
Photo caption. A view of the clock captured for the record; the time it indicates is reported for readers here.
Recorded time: 6:47:15
